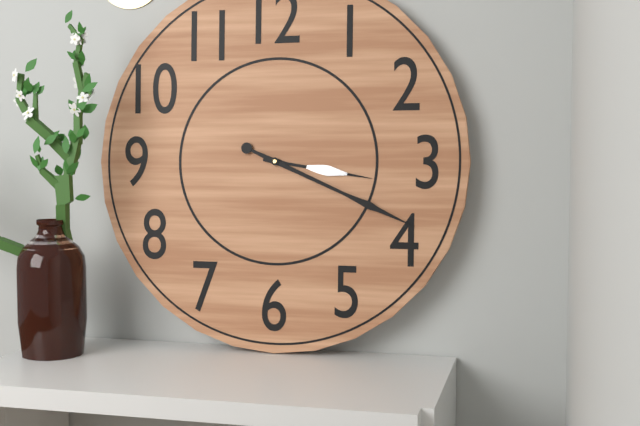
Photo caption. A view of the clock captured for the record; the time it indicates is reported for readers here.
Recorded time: 3:19
